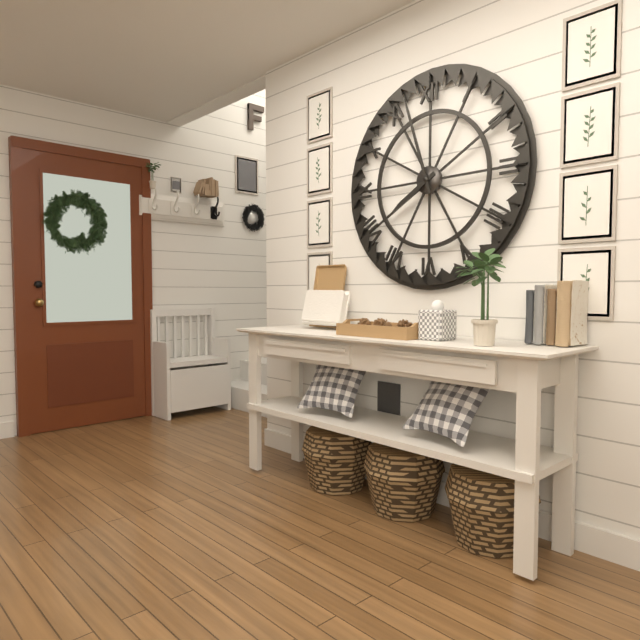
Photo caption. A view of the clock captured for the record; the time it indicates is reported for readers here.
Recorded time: 7:57
